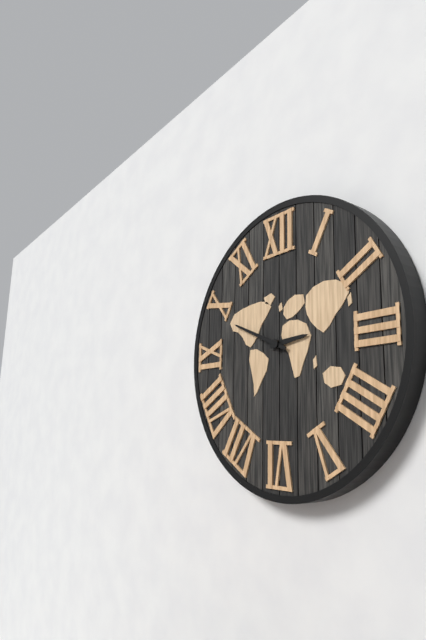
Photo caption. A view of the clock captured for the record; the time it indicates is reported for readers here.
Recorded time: 2:49
